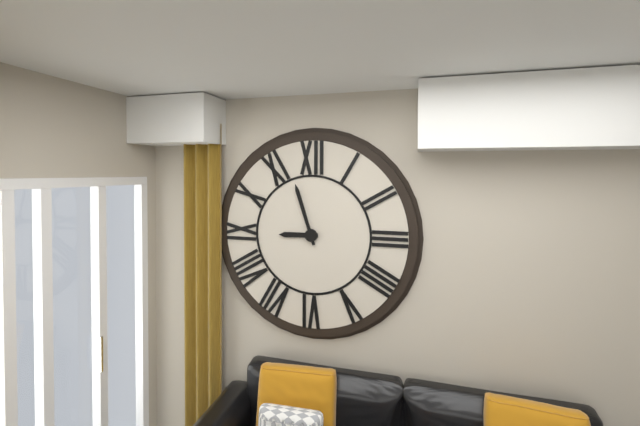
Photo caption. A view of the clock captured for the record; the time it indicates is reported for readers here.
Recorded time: 8:57
